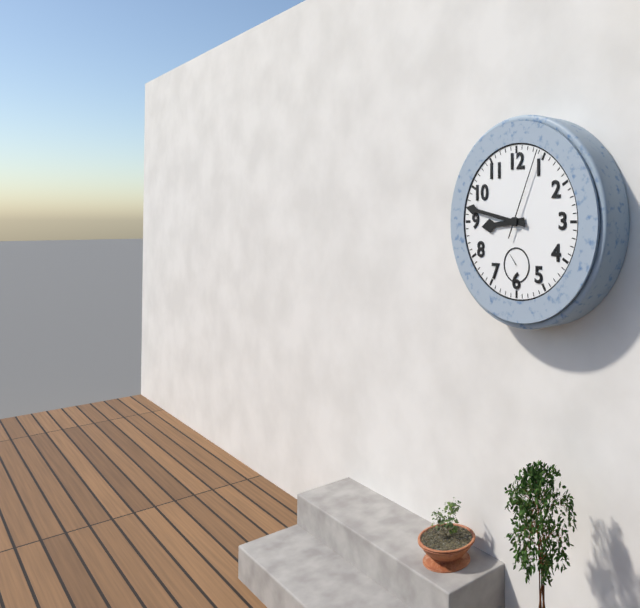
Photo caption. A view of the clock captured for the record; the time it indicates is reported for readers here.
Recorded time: 8:47:04
